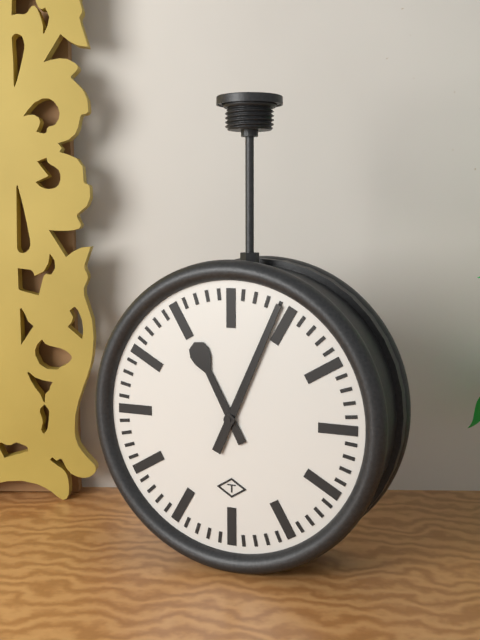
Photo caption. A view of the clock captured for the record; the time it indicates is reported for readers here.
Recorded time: 11:04
